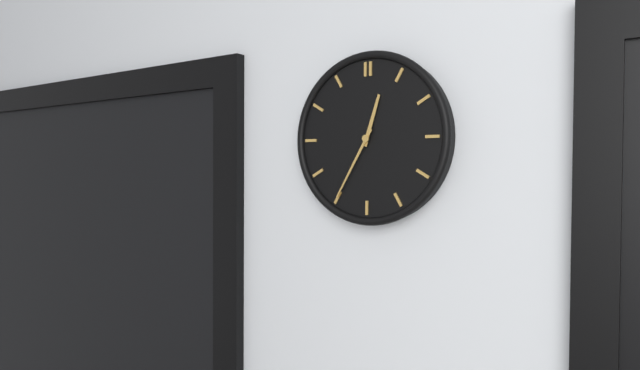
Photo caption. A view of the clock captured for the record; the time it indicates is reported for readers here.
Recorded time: 12:35
